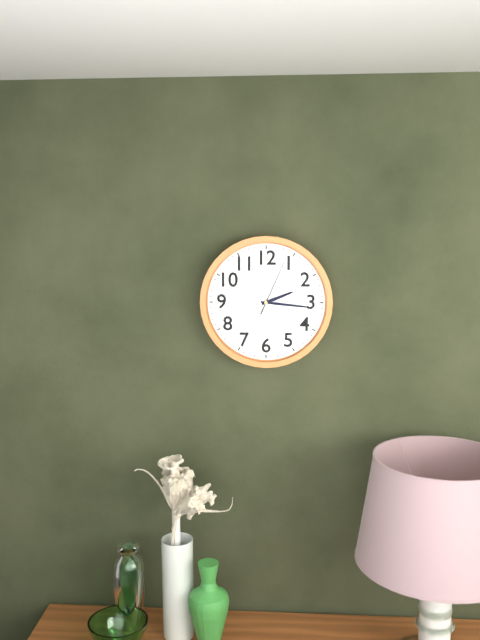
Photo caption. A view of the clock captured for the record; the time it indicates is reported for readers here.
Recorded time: 2:16:04
